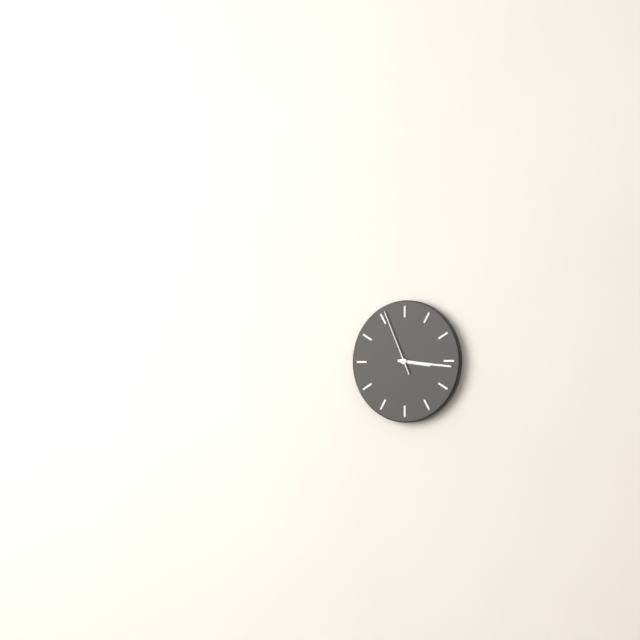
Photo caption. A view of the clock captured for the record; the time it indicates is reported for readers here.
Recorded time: 3:16:56
